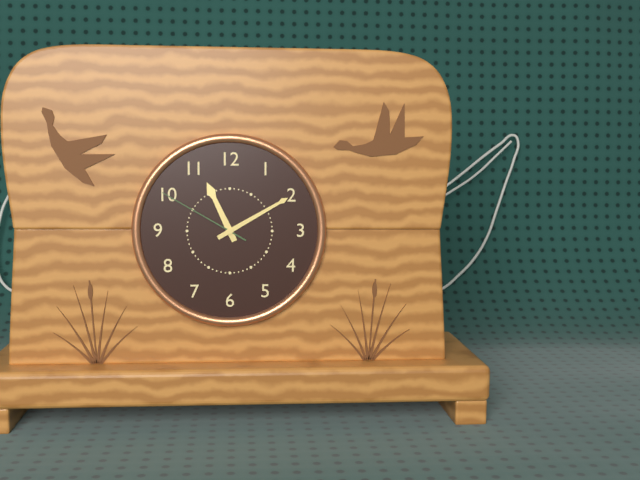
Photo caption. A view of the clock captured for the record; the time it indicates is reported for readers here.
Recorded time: 11:10:50
